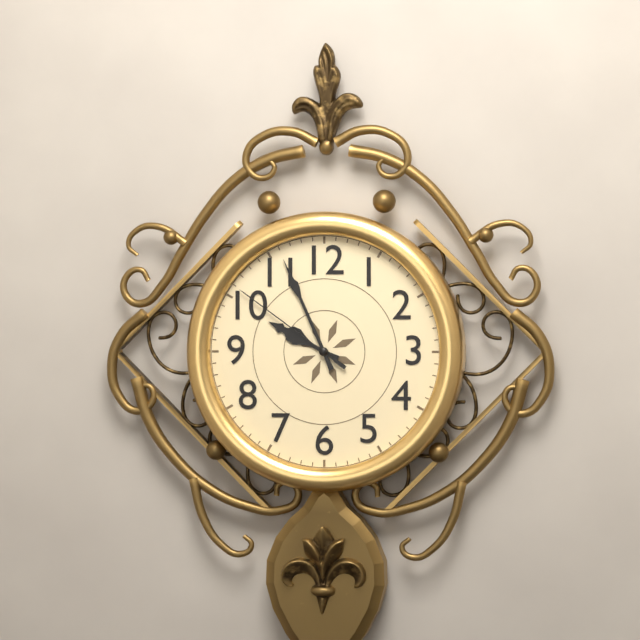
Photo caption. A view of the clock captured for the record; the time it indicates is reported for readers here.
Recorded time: 9:56:51
